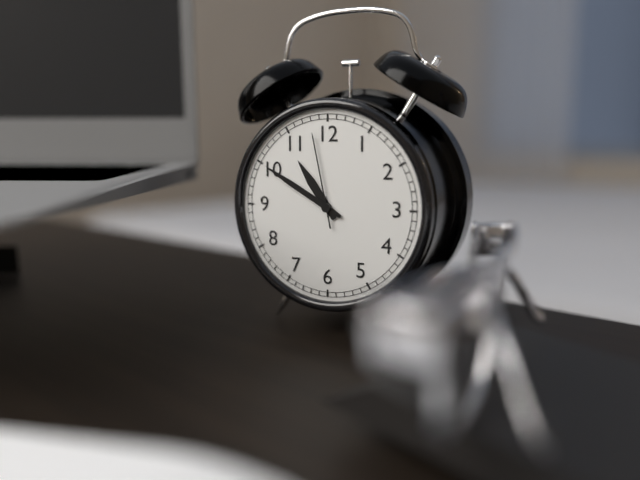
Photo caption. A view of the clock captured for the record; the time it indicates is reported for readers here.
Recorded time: 10:50:58
